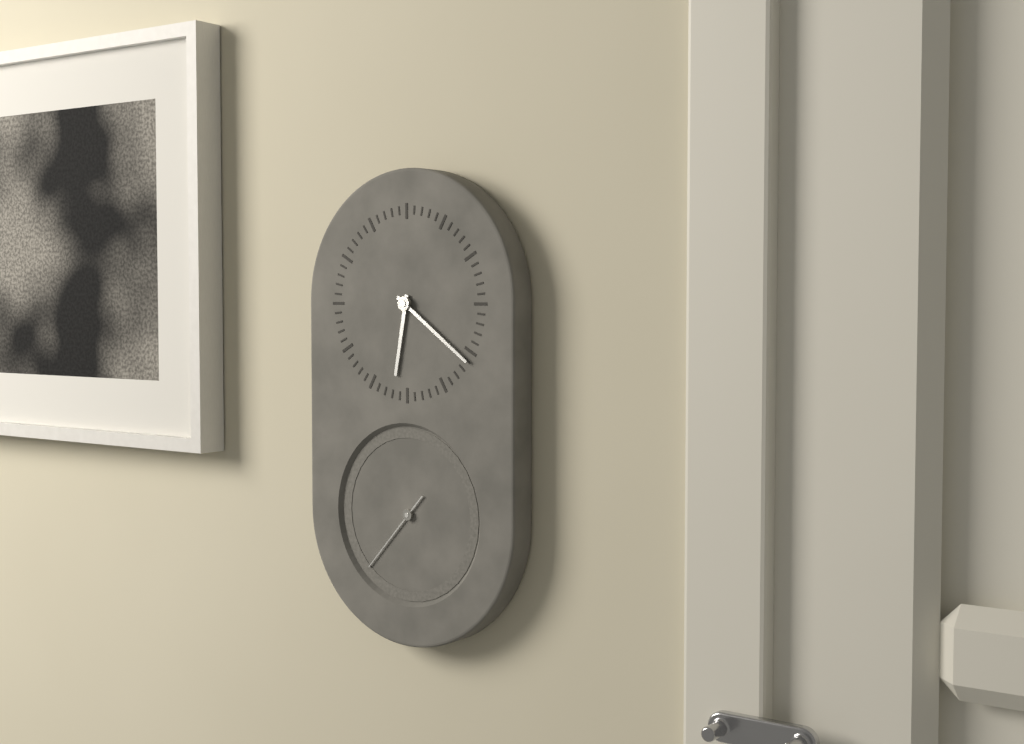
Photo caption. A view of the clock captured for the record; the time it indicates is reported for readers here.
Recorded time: 6:21:37
